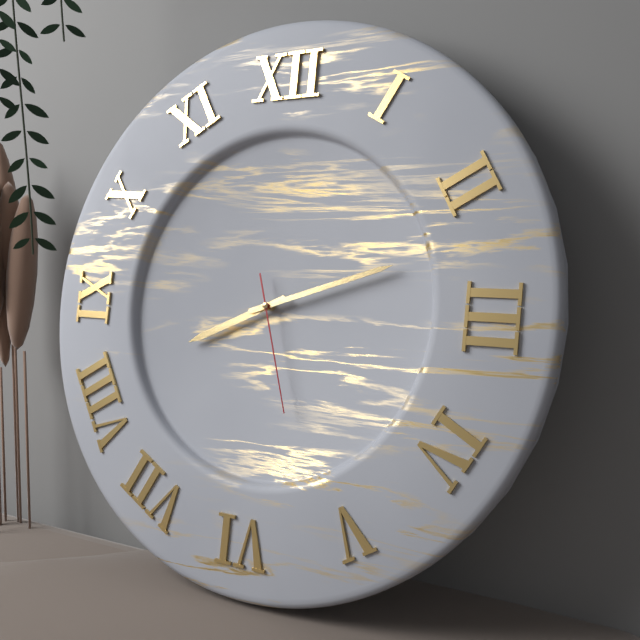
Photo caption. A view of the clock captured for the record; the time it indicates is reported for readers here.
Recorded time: 8:12:27
